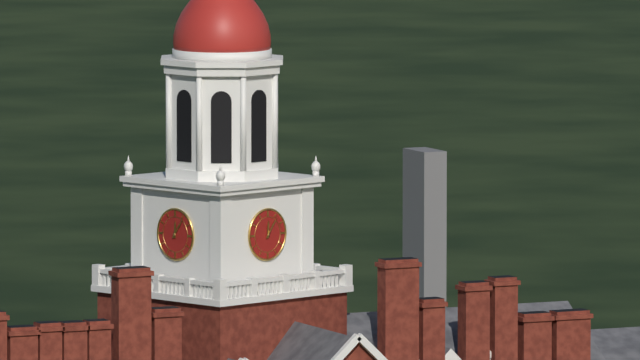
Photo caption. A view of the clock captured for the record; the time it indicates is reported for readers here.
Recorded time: 12:06
